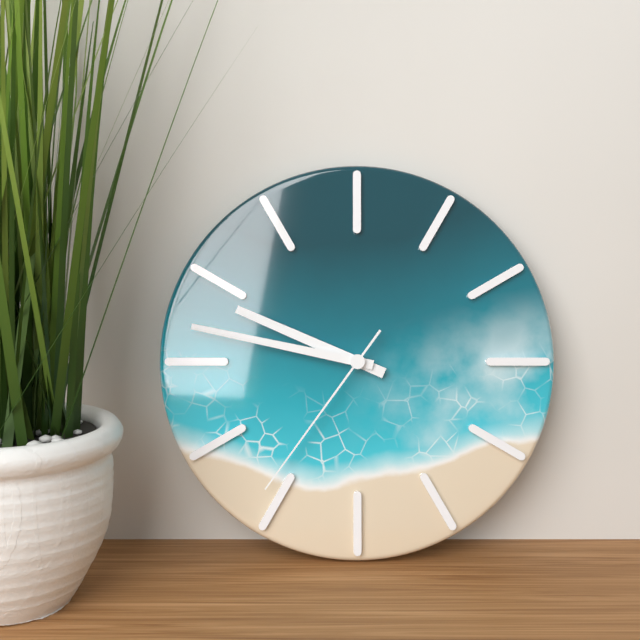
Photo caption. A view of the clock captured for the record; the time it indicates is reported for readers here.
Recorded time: 9:47:36
